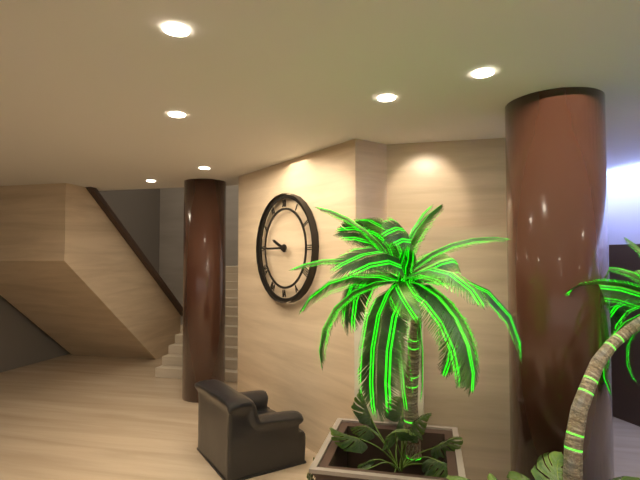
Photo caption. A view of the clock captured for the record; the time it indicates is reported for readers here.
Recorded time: 9:45
